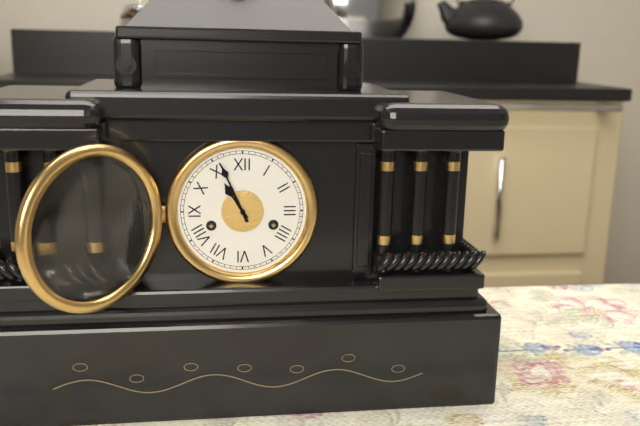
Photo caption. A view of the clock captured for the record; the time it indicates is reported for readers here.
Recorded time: 10:56
